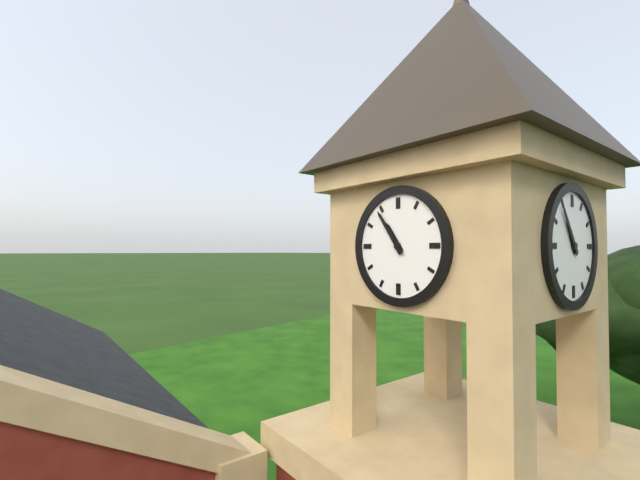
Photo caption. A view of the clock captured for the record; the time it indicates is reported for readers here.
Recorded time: 10:54
